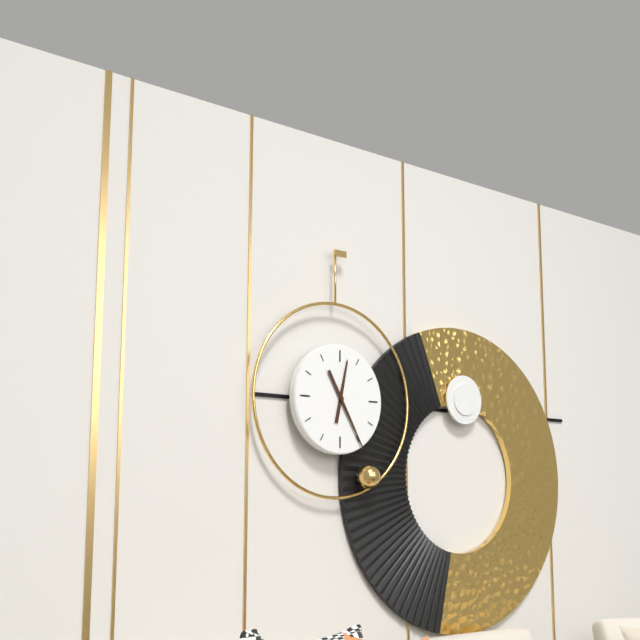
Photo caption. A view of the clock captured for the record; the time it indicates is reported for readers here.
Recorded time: 12:25
